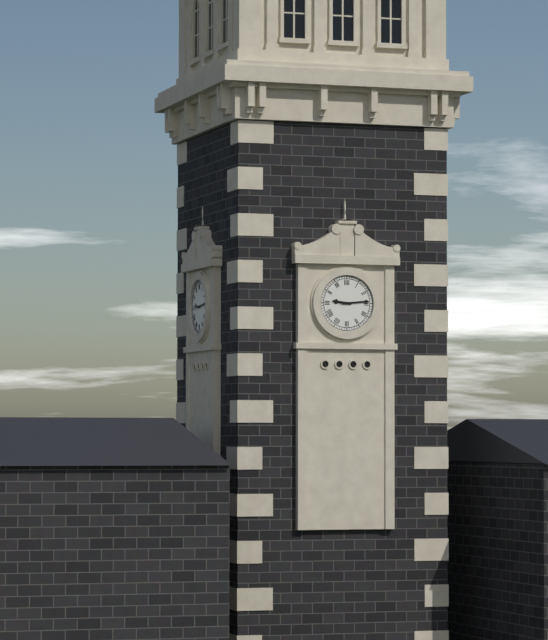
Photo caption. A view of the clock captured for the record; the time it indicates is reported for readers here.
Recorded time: 9:14
